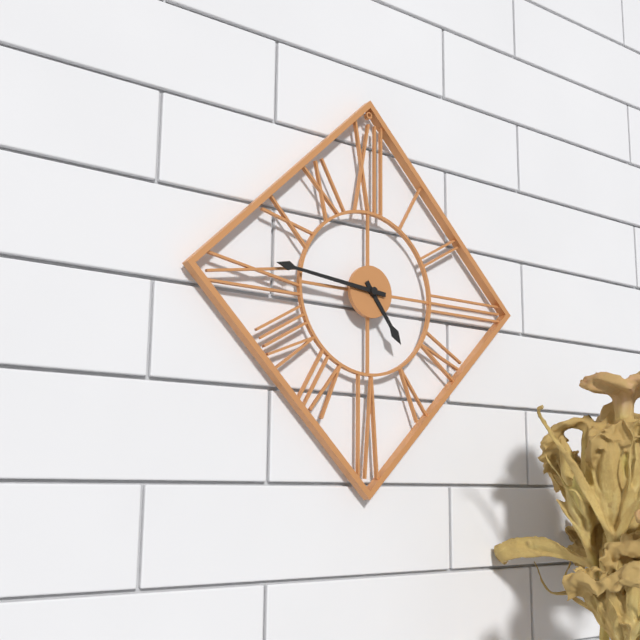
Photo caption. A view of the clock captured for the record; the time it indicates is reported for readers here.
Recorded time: 4:46
